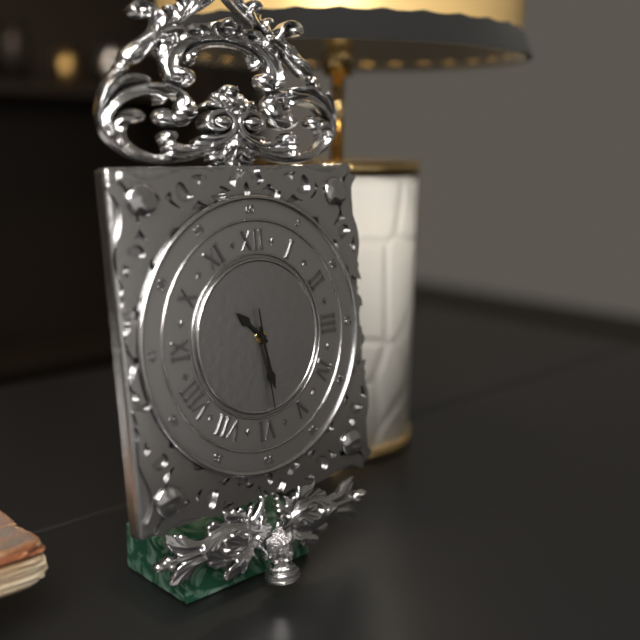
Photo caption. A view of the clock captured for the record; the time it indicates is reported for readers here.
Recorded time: 10:28:29
